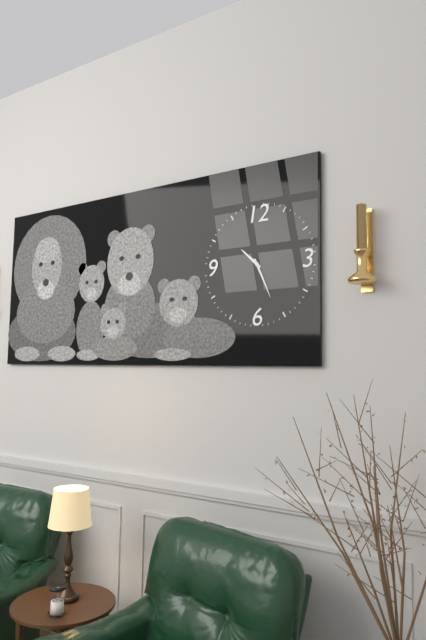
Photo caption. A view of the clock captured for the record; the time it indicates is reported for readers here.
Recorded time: 10:26
